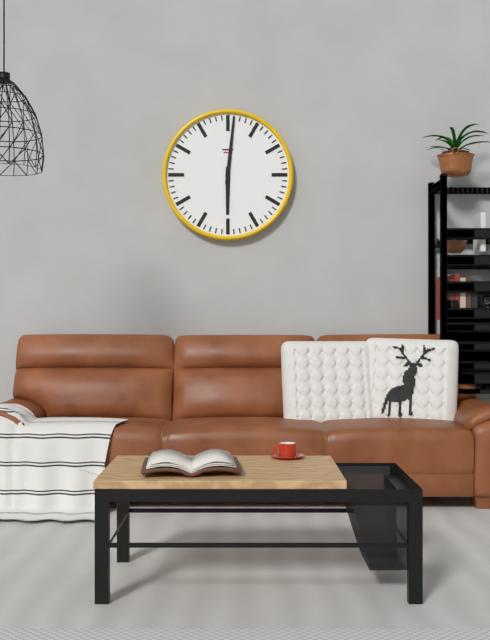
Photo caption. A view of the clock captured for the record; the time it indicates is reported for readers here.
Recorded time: 6:01
